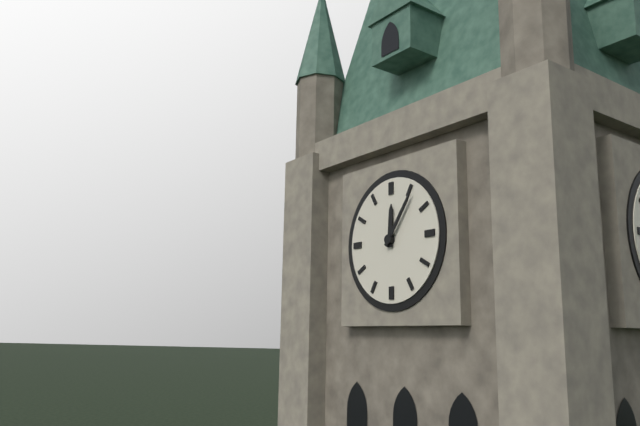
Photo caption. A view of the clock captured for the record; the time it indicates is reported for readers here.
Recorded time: 12:06
